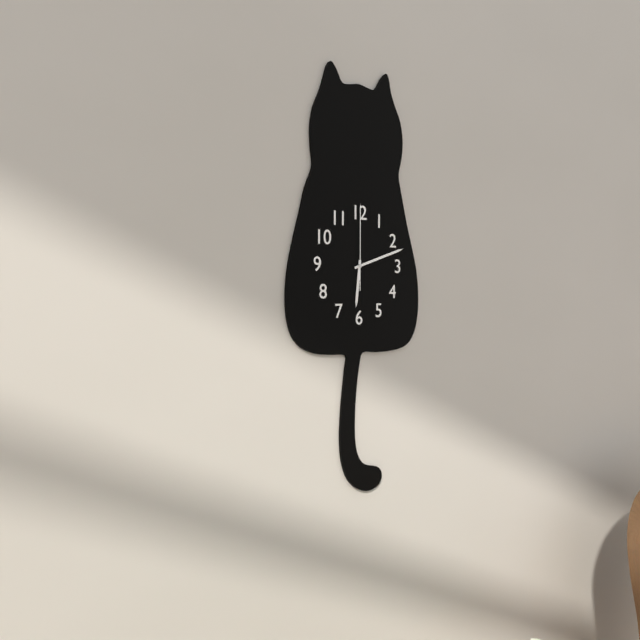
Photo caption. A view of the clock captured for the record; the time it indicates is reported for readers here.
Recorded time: 6:12:00
